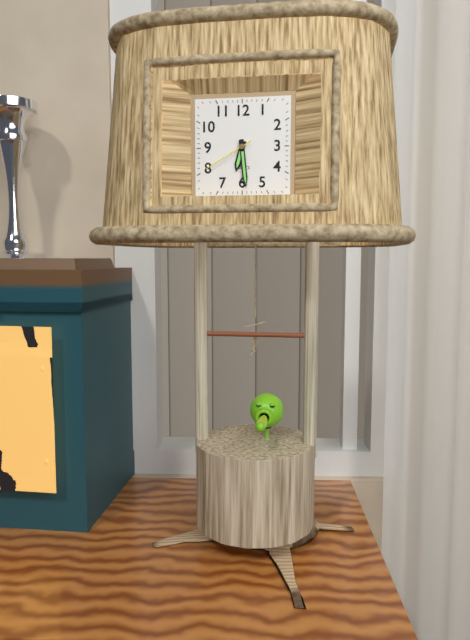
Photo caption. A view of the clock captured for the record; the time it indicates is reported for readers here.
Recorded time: 6:29:40
